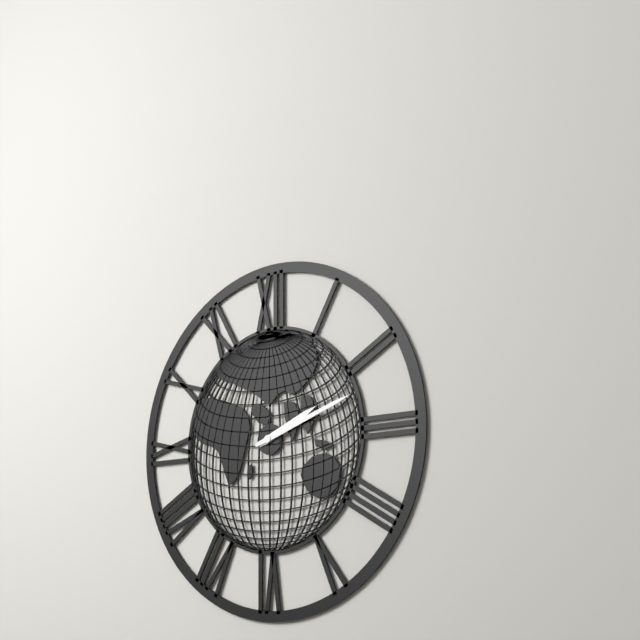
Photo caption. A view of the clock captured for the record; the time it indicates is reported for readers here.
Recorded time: 2:12
